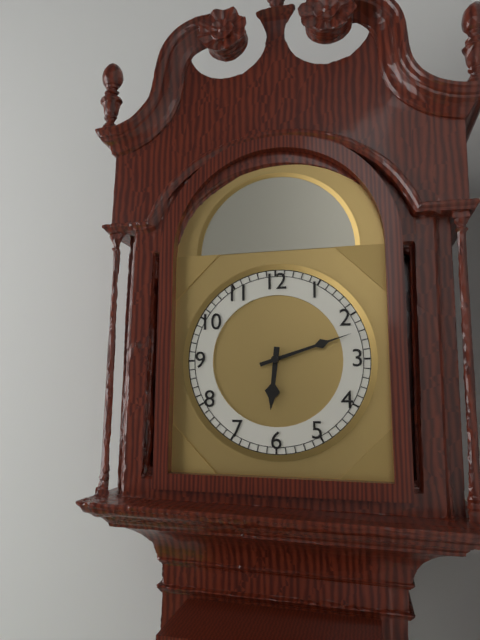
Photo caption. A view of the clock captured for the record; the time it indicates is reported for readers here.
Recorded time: 6:12
